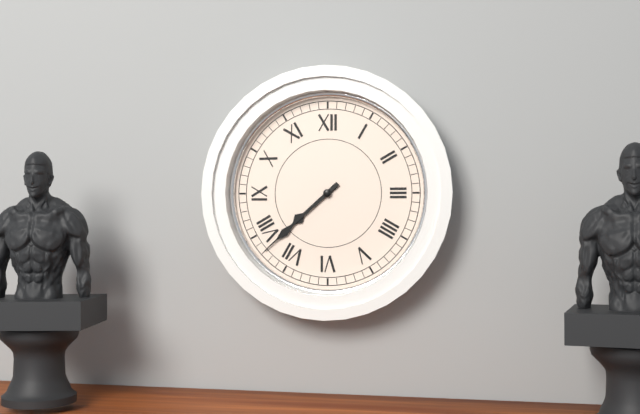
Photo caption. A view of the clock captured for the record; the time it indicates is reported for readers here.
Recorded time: 7:38
